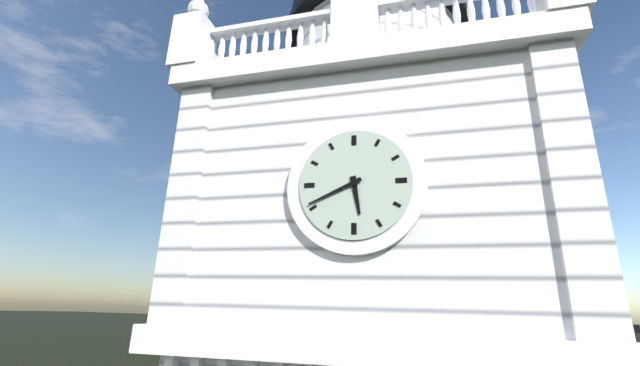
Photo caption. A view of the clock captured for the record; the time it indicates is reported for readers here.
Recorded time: 5:41
